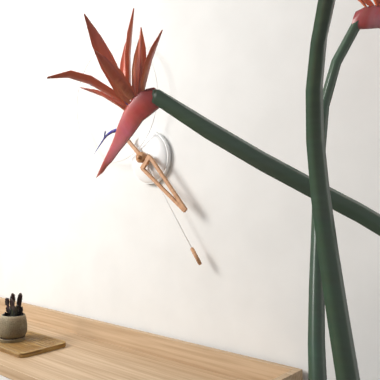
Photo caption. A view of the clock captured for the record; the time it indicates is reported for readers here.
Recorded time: 4:24
